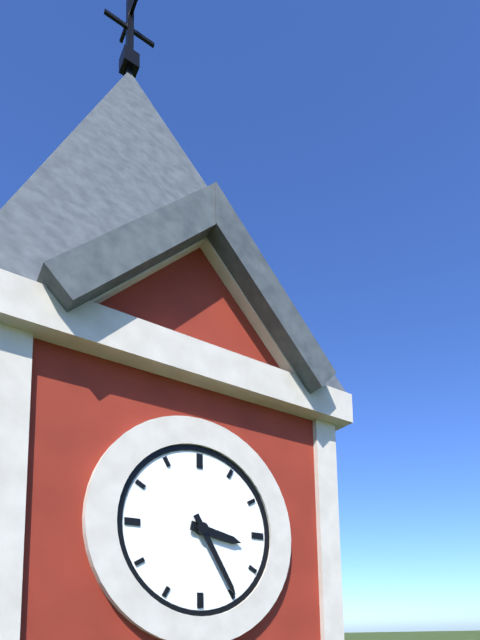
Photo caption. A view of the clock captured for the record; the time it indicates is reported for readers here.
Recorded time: 3:25
